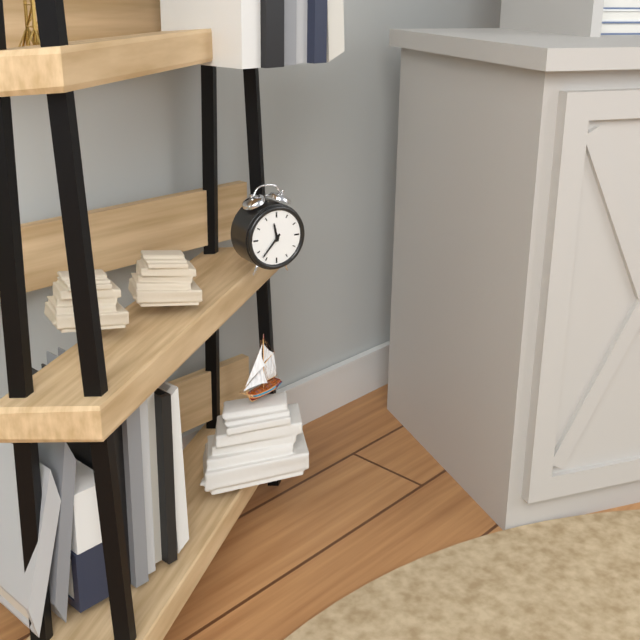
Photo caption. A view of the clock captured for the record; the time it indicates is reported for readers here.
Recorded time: 11:37
